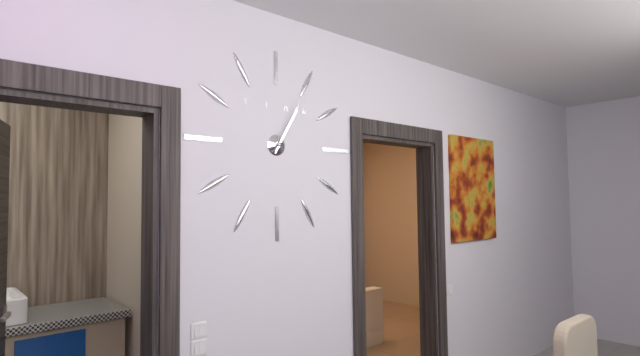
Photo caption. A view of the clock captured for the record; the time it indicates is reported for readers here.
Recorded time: 1:05
